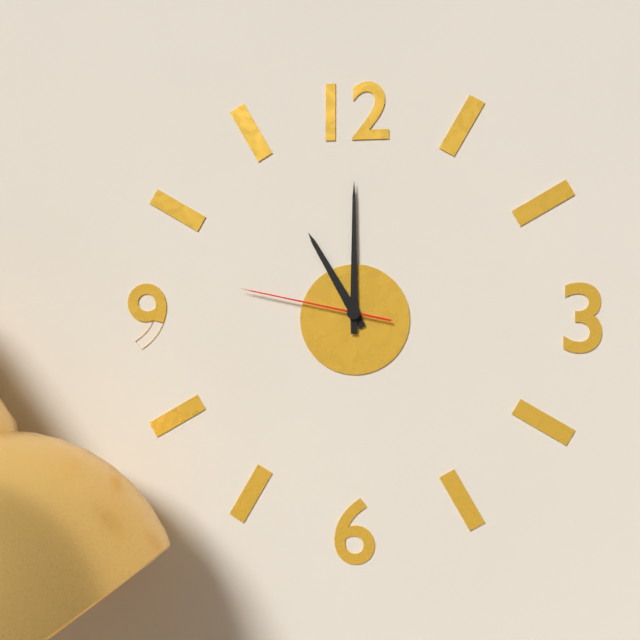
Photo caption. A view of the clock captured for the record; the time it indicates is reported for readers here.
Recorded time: 11:00:47
